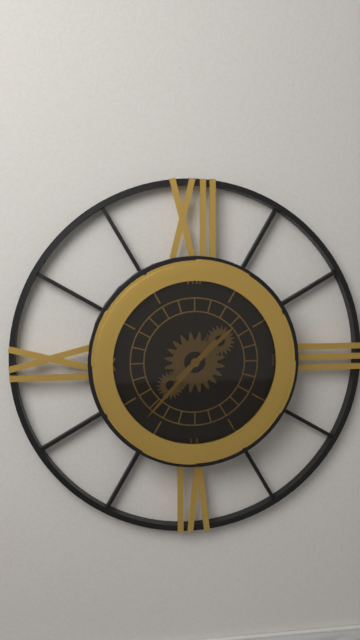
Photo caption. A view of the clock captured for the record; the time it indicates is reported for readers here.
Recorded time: 1:37
